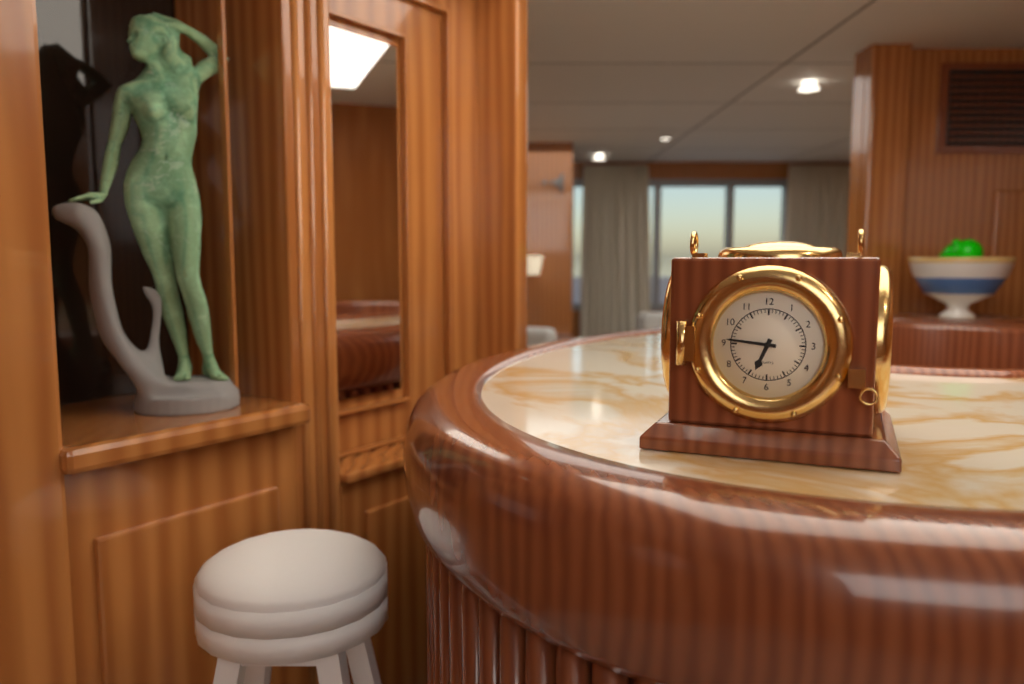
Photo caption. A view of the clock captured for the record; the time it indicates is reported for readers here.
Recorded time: 6:46
